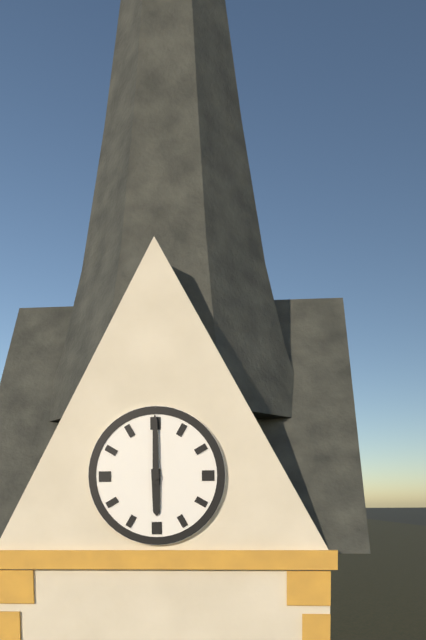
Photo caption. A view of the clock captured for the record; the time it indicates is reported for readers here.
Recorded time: 6:00
